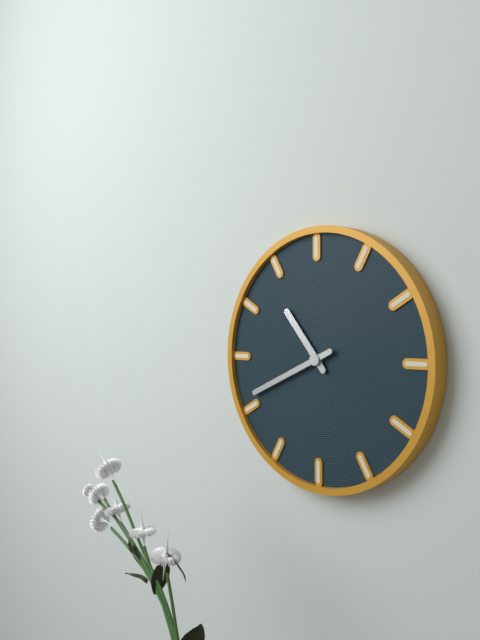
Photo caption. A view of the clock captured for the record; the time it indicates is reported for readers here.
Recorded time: 10:41
